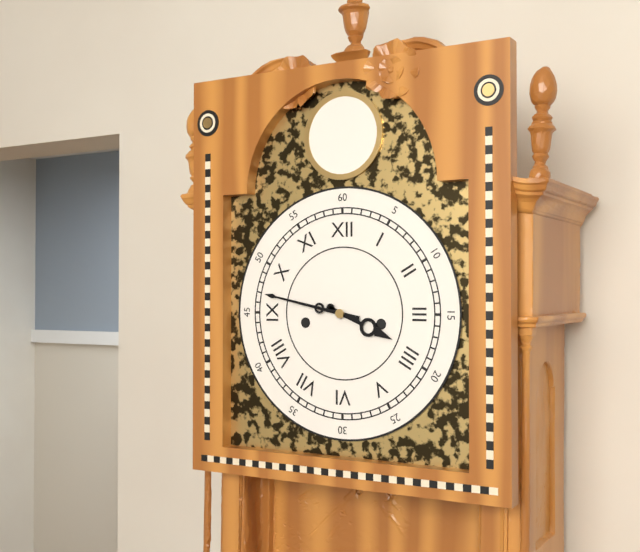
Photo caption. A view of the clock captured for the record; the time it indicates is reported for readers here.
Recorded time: 3:47
